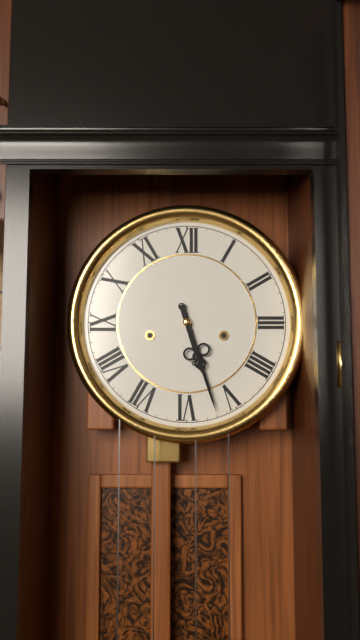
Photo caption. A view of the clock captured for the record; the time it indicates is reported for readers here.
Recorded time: 5:27
